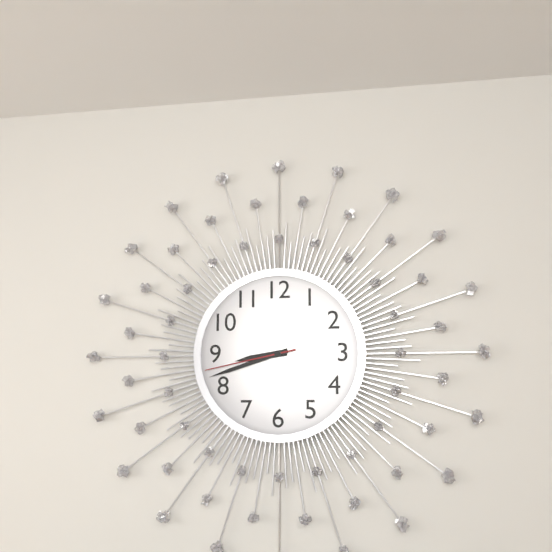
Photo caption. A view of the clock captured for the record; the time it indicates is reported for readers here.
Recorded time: 8:42:43
